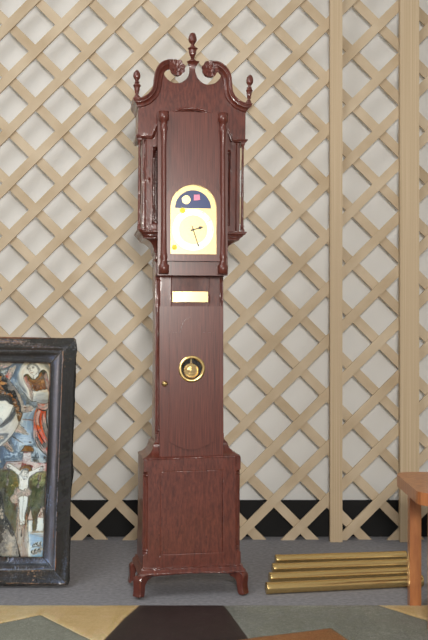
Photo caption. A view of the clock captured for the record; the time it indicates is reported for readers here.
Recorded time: 2:27
